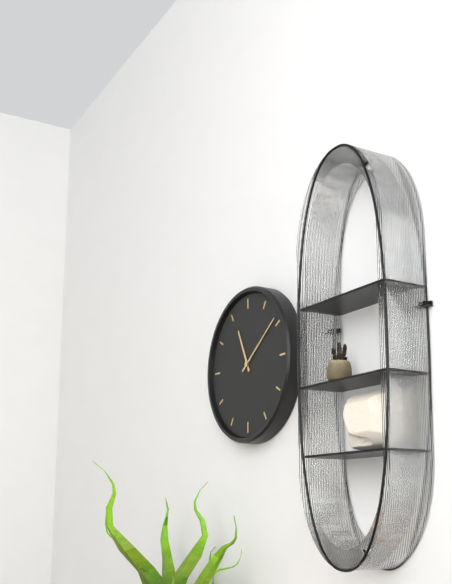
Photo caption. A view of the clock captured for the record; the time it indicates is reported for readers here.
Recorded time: 11:09
